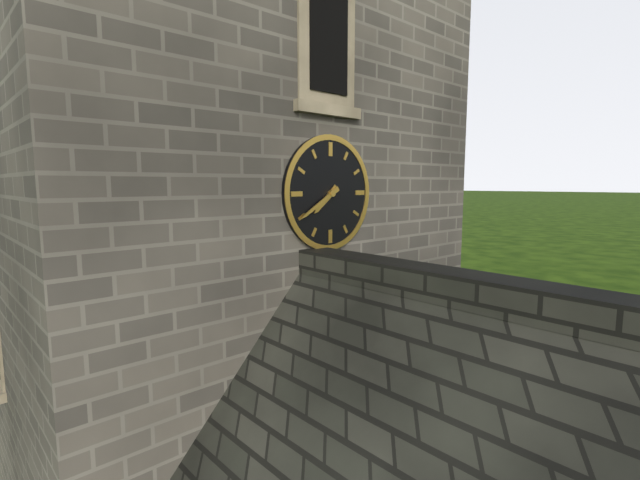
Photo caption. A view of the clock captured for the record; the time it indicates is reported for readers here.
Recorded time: 7:40
